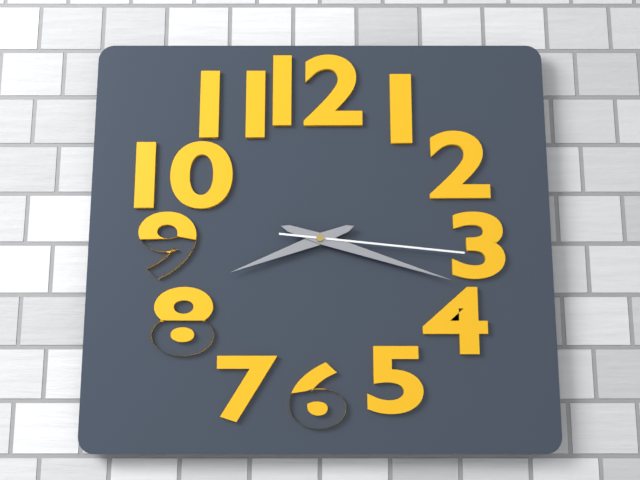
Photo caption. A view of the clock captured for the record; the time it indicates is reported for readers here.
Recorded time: 8:18:16
